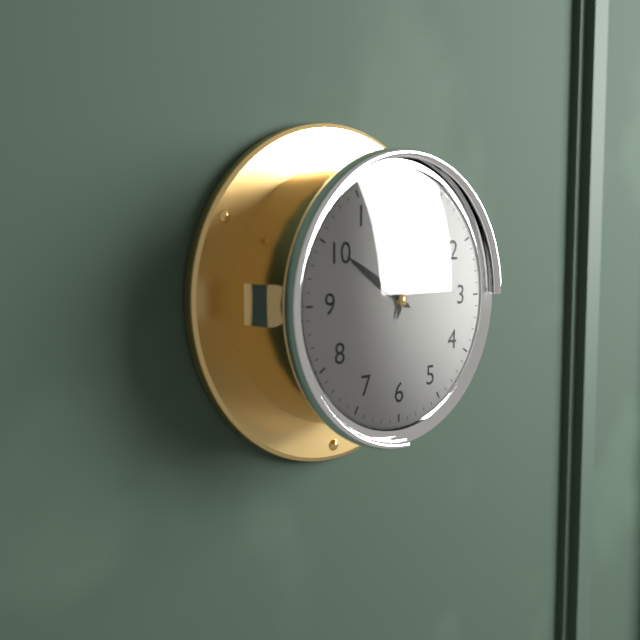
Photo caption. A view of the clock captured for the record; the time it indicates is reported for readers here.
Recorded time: 10:03
